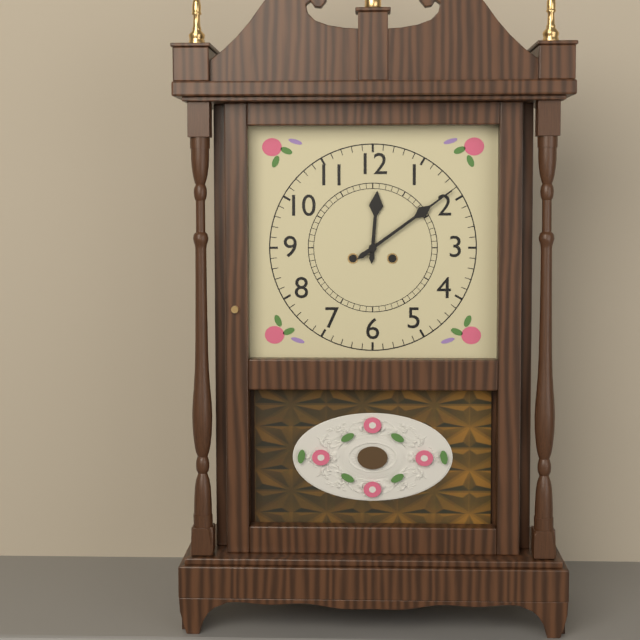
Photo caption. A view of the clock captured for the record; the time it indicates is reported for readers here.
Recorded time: 12:09
